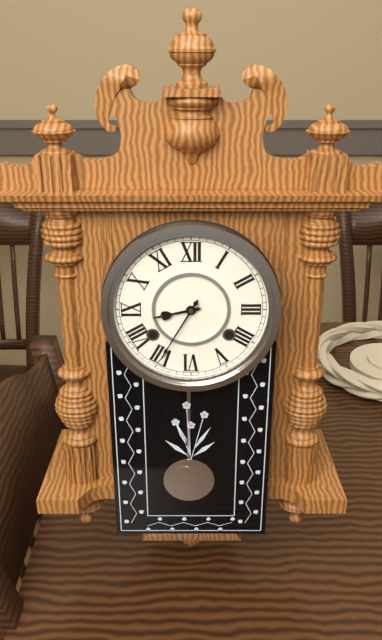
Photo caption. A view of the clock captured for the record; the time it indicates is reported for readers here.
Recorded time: 8:35
